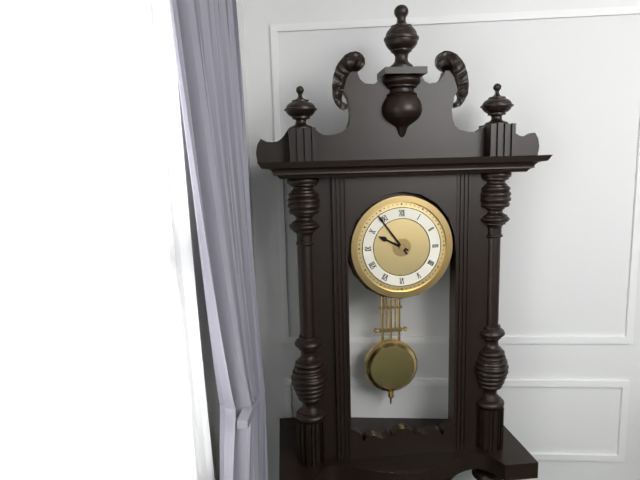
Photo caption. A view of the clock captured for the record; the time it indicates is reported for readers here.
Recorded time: 9:54
